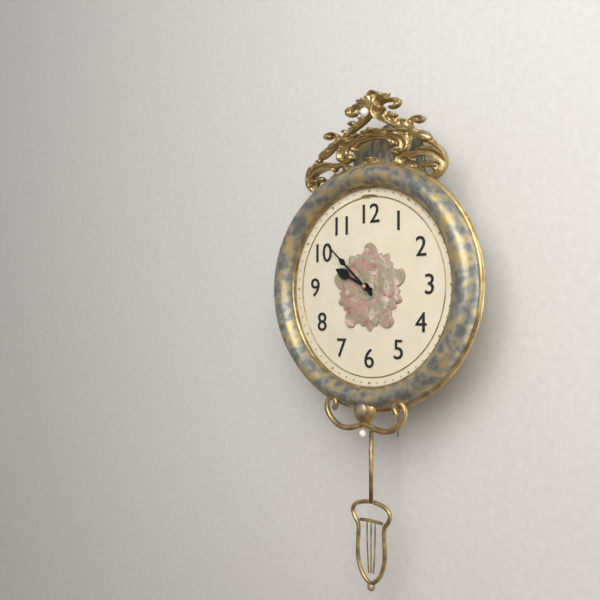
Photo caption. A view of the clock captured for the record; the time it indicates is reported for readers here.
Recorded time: 9:52
